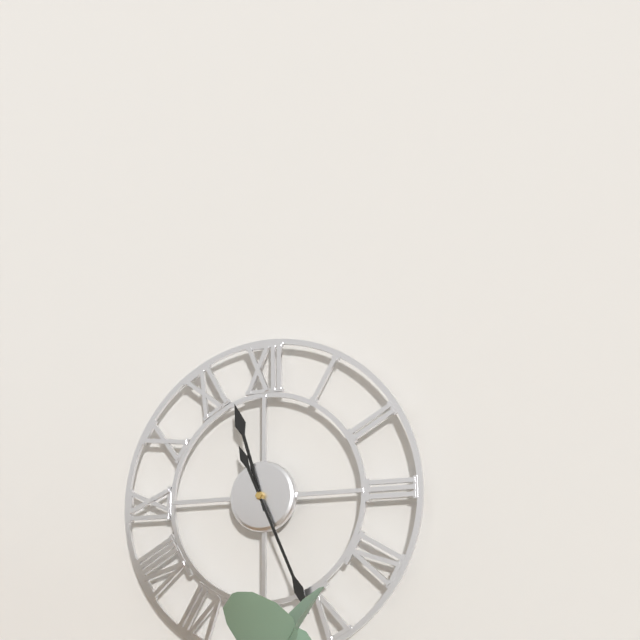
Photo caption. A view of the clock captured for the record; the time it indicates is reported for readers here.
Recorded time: 11:26
